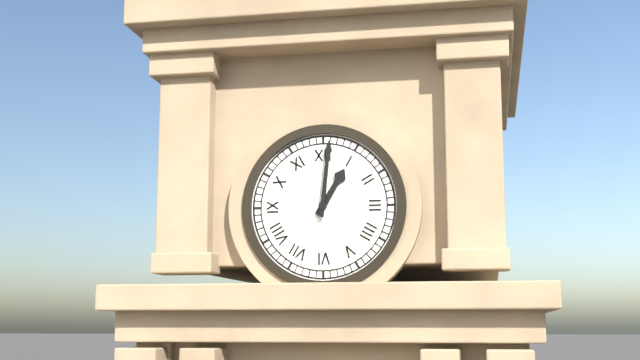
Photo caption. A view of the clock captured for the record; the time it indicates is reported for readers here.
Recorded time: 1:01
